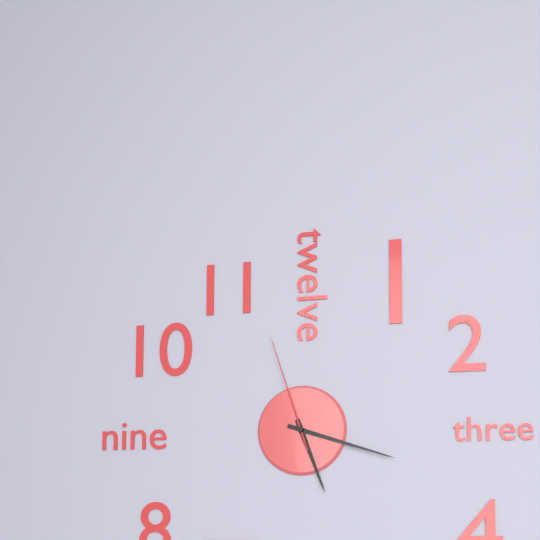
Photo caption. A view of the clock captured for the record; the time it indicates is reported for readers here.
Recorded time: 5:18:57
